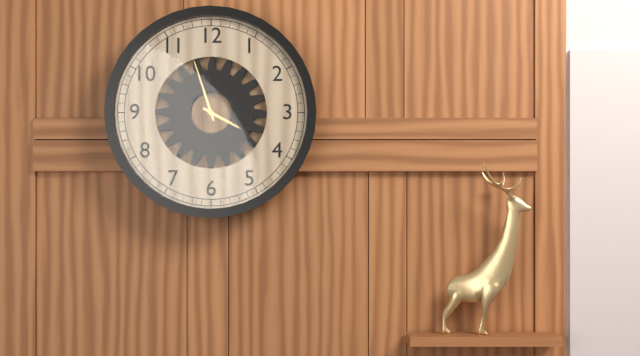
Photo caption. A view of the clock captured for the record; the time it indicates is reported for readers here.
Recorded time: 3:57
